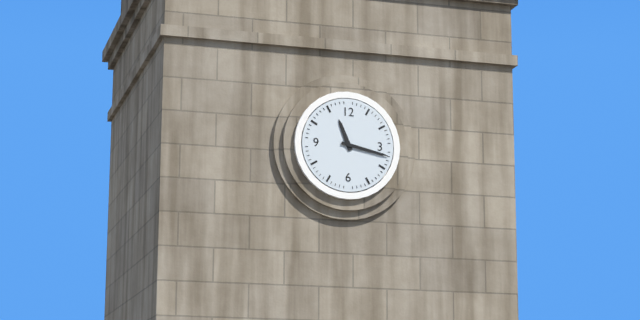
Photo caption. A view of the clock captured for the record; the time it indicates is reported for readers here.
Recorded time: 11:17
